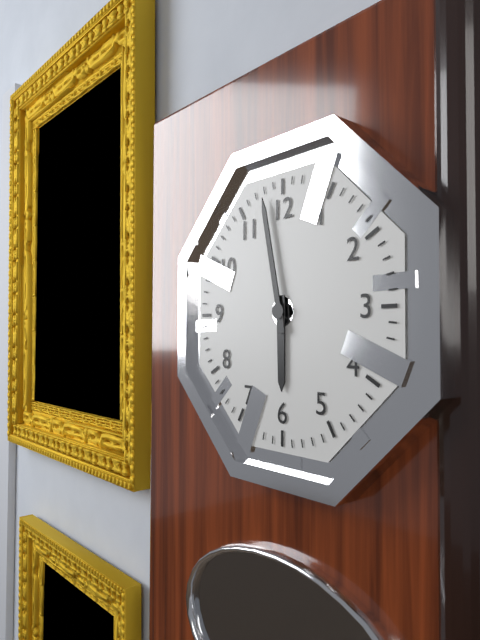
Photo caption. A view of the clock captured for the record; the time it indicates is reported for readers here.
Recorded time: 5:58
